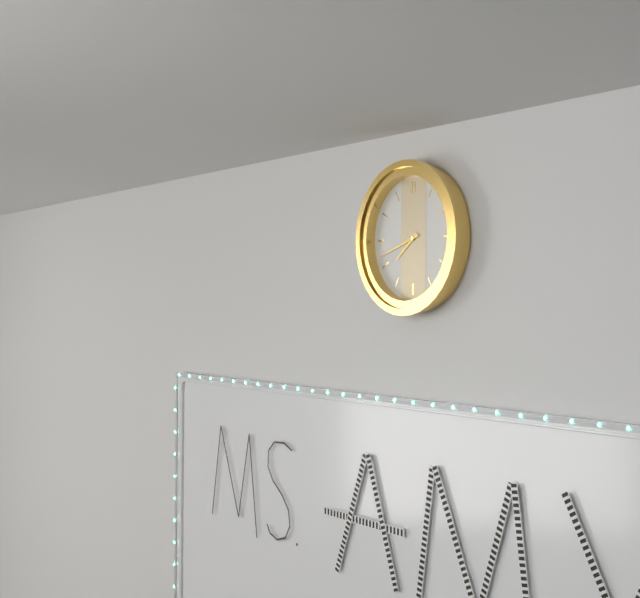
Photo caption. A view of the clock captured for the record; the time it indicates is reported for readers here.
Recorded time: 7:42
